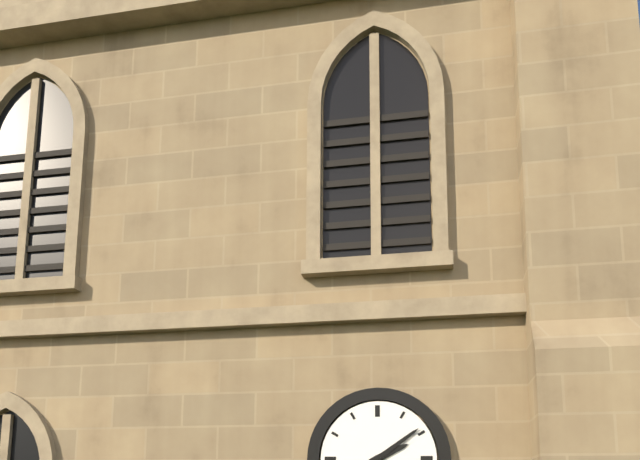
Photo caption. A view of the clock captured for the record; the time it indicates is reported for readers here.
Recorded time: 2:09
